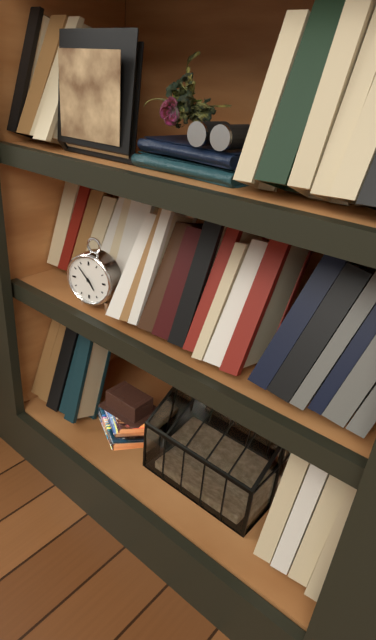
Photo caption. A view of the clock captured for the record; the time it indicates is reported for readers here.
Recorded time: 4:53
